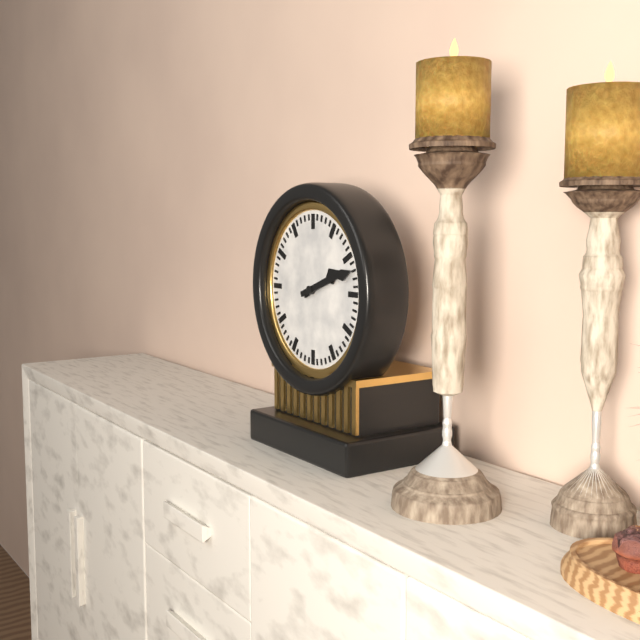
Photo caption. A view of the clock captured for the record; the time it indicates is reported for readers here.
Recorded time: 2:12
